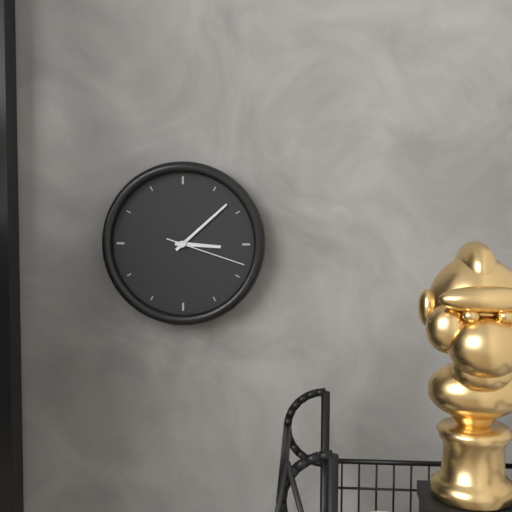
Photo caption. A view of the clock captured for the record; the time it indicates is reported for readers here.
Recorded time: 3:08:18
